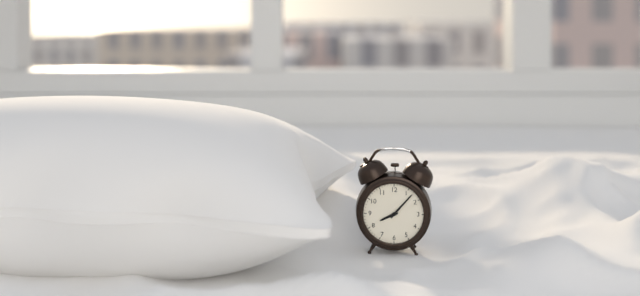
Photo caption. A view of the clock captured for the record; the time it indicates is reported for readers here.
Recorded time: 8:07
